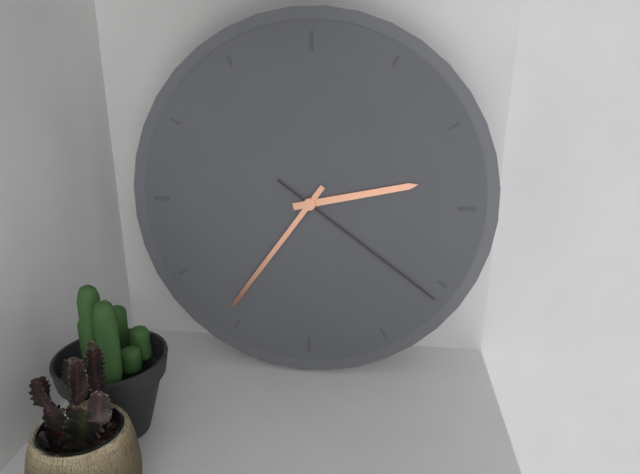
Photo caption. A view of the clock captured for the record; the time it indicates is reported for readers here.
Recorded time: 2:36:21
